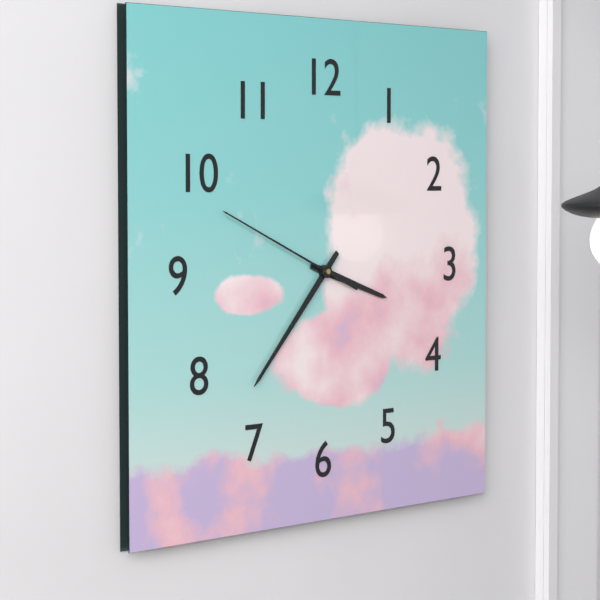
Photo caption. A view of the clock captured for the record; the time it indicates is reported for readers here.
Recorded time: 3:37:49
